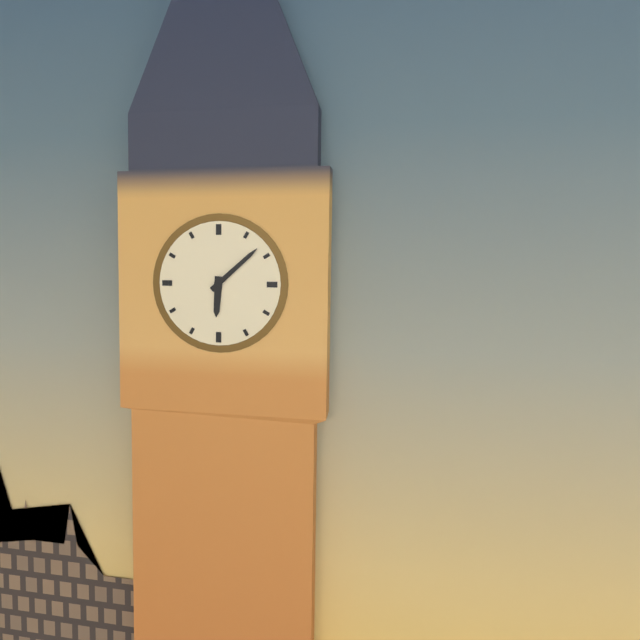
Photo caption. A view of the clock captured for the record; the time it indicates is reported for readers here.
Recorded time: 6:08
